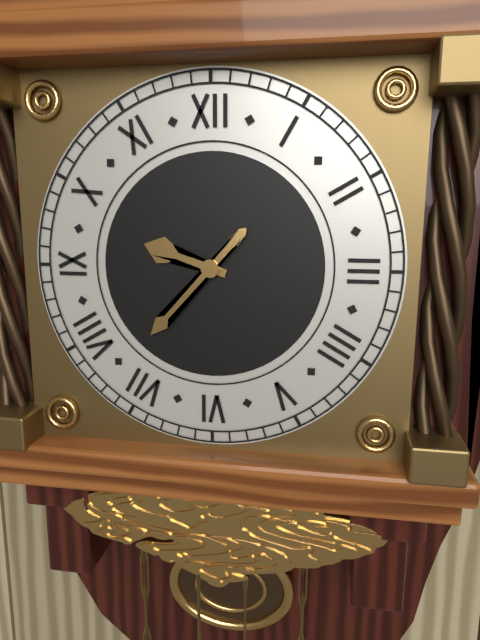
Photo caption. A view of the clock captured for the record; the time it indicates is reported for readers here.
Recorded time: 9:37
